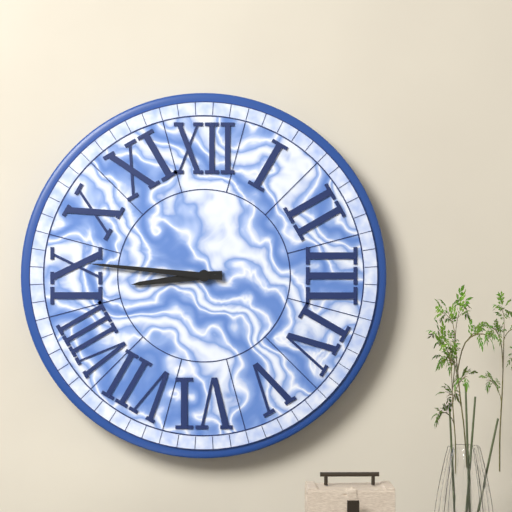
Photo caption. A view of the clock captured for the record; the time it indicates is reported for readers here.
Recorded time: 8:46
